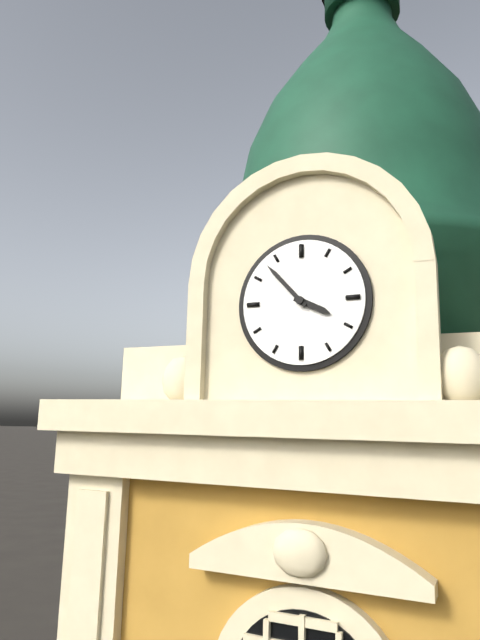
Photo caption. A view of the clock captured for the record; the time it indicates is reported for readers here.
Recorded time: 3:53
